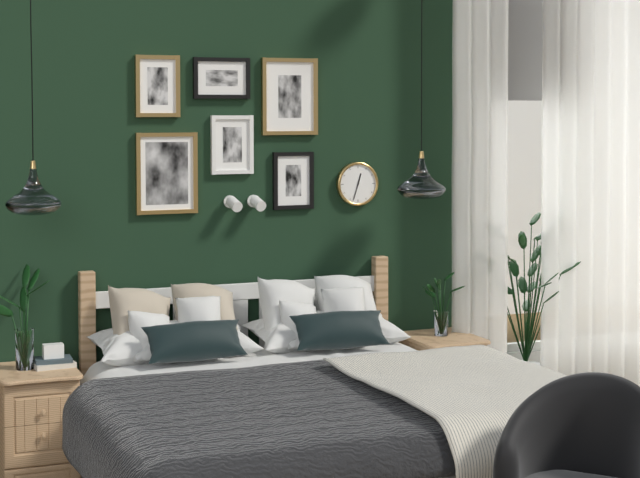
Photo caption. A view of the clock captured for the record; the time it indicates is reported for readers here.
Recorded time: 12:33
